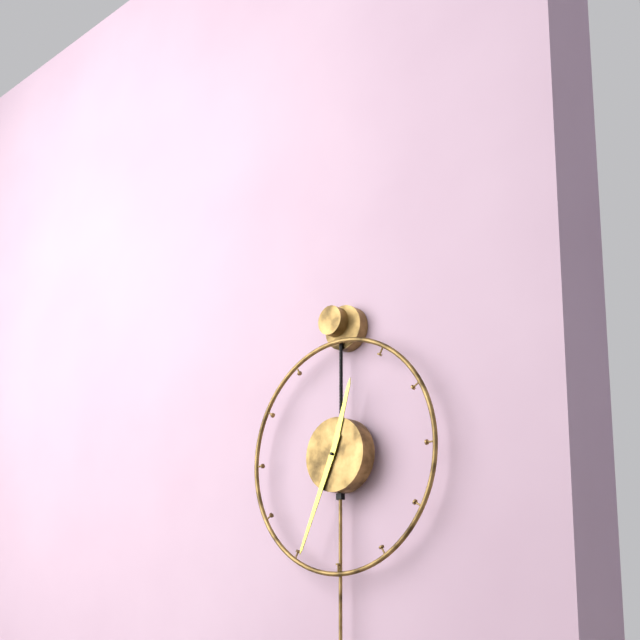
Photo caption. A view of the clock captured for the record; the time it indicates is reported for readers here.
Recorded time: 12:34
